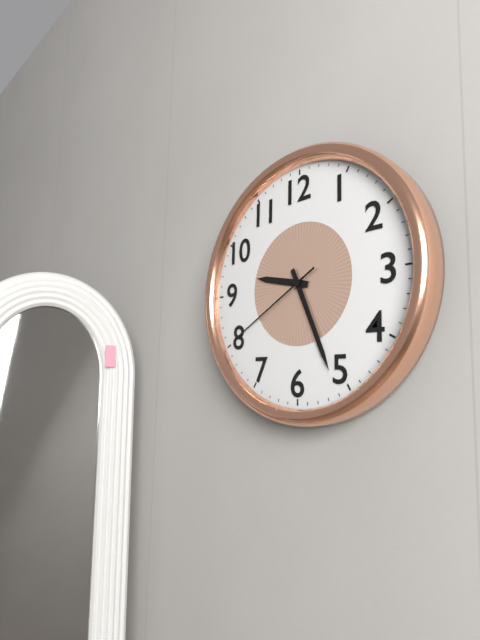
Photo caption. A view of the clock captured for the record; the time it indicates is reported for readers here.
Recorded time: 9:26:40
